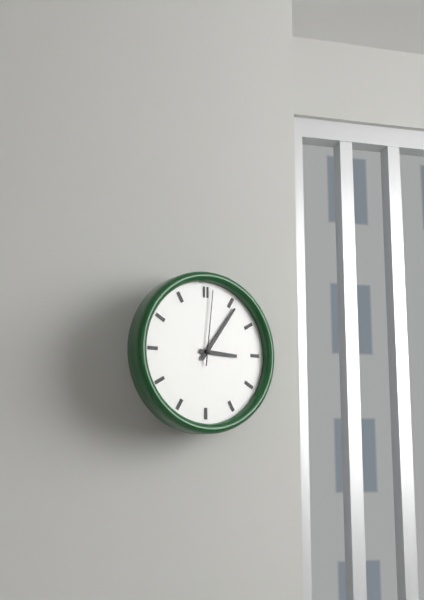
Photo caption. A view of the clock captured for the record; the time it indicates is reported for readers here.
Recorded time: 3:06:01
